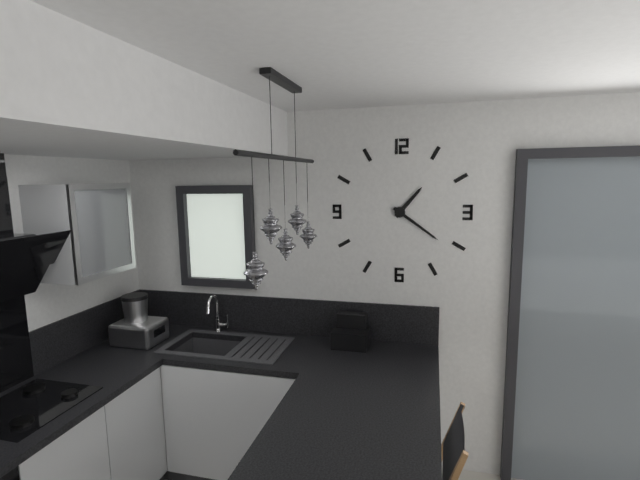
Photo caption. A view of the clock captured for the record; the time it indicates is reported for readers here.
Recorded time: 1:21
